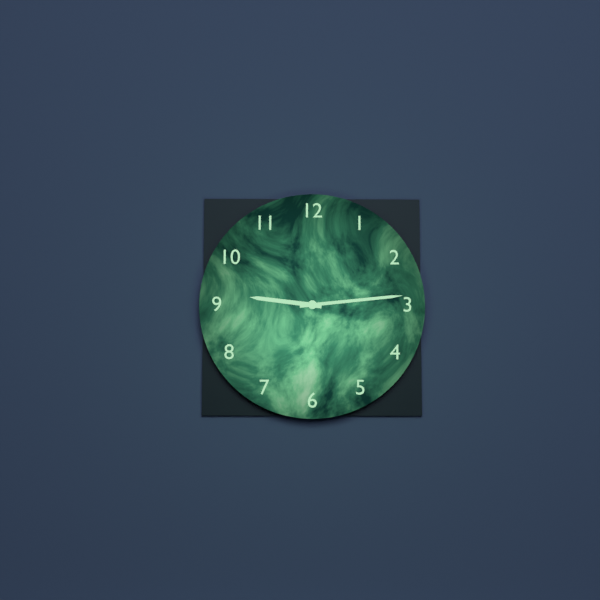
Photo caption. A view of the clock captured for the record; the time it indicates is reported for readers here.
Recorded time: 9:14
